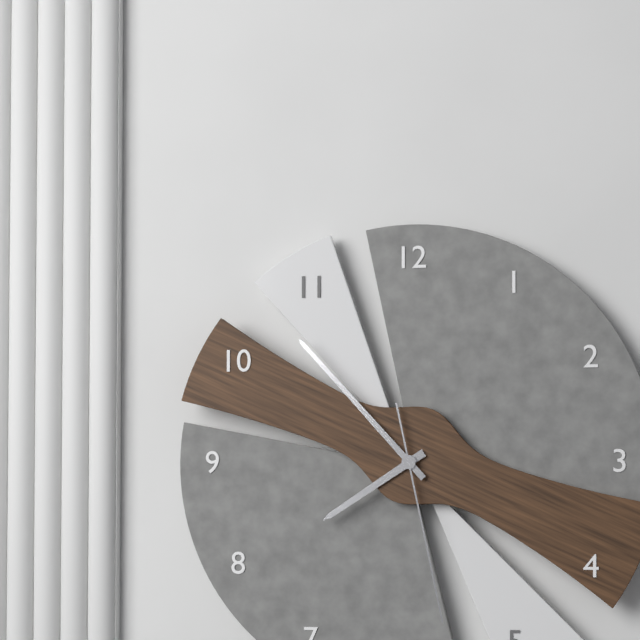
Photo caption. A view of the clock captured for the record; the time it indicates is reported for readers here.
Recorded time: 7:53:28
